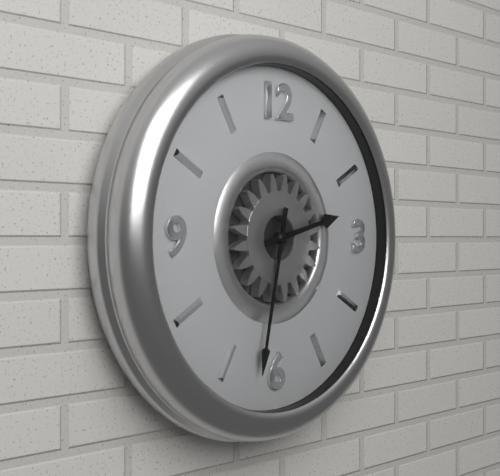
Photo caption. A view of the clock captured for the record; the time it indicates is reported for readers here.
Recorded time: 2:32
